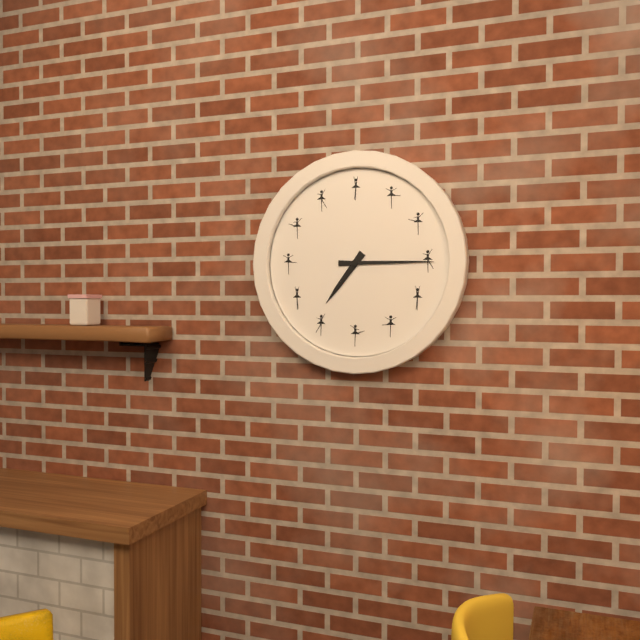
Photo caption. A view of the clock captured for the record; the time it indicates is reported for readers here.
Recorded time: 7:15
